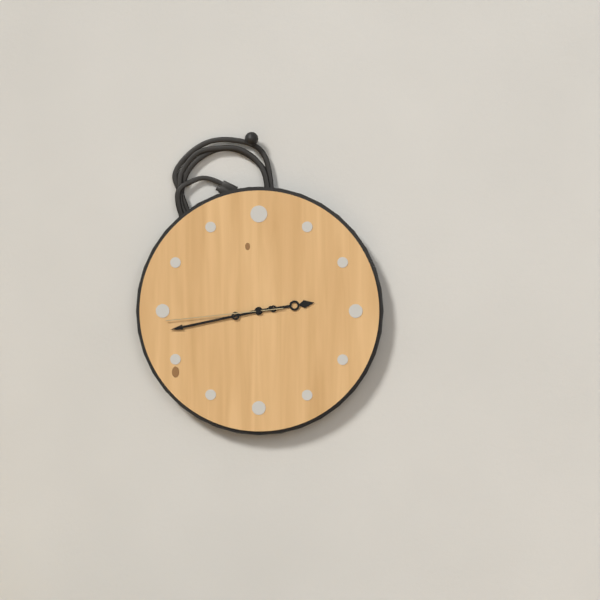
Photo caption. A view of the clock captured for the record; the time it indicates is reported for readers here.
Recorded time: 2:43:44
